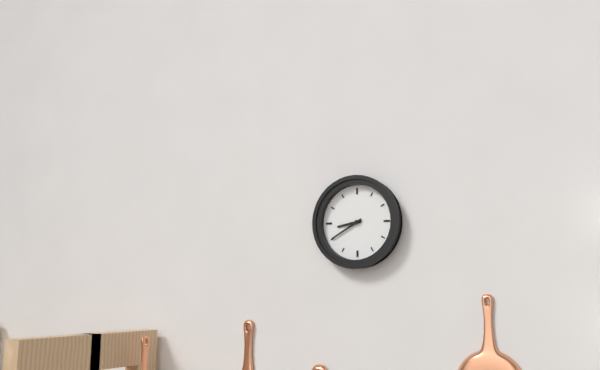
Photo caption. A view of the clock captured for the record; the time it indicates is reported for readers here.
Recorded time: 8:40
